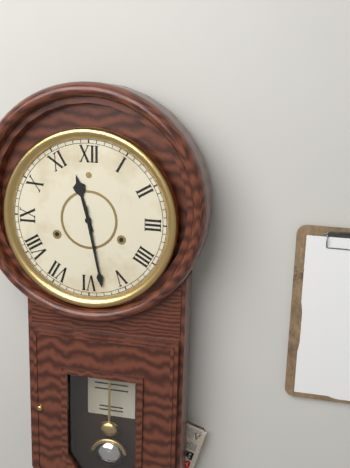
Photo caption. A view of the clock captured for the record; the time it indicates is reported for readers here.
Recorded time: 11:28
